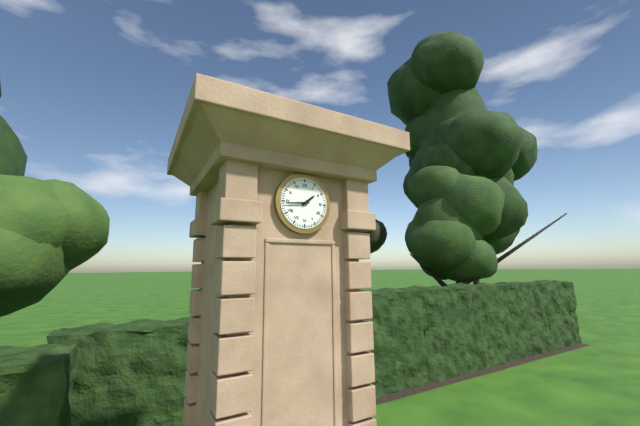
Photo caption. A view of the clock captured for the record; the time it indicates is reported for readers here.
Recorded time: 1:44
